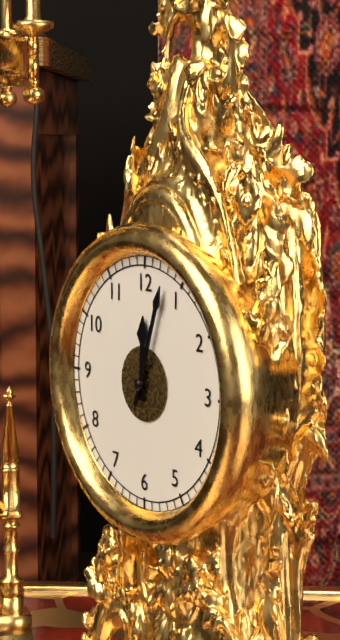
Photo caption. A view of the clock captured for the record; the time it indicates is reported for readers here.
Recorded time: 12:03
